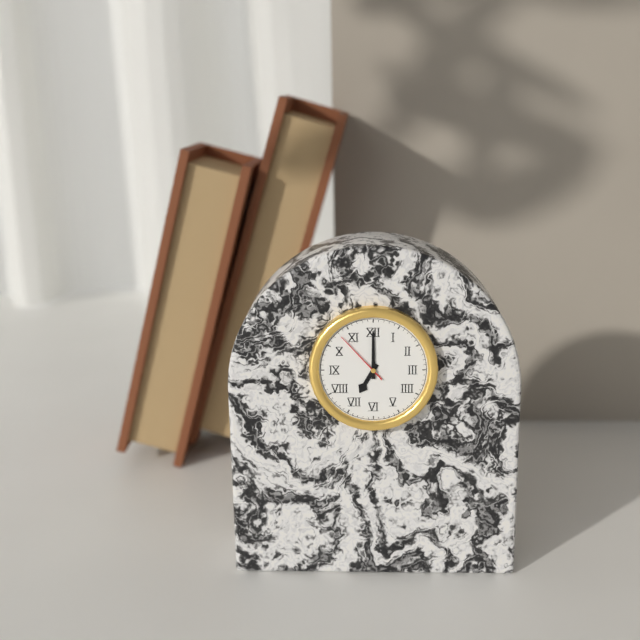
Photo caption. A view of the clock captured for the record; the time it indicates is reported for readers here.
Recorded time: 7:00:53
